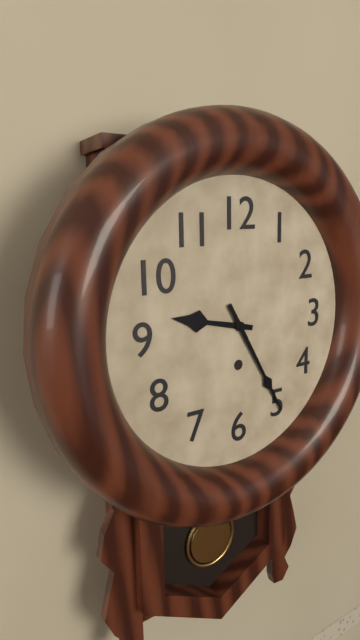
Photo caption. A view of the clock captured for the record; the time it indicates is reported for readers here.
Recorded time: 9:25
